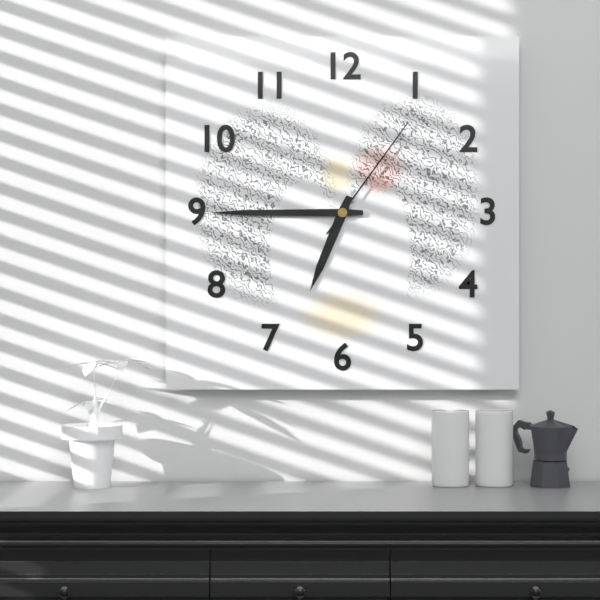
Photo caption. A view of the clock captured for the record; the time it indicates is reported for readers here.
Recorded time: 6:45:06
